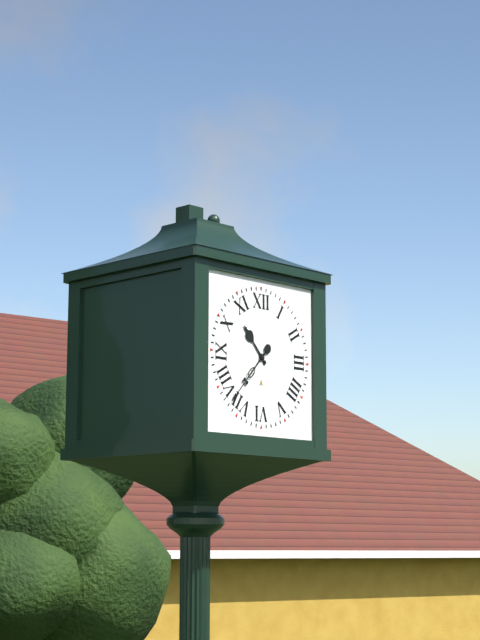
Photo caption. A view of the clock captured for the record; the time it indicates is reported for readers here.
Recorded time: 10:37
